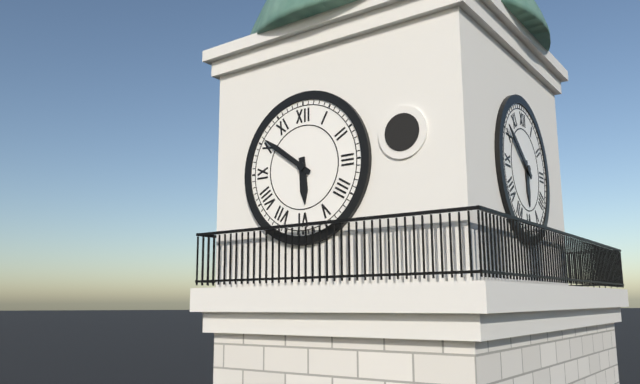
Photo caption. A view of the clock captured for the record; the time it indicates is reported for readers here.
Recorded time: 5:51
